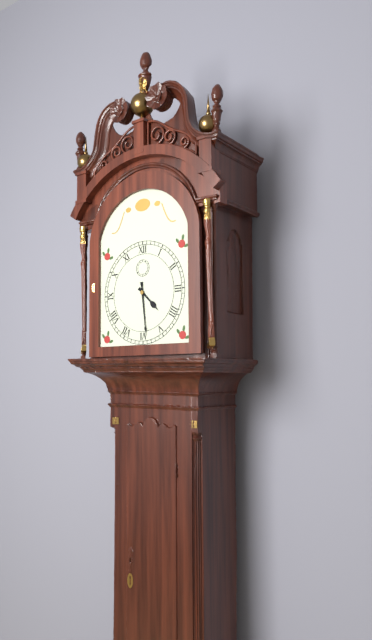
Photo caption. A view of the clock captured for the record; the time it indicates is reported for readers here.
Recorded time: 4:29
